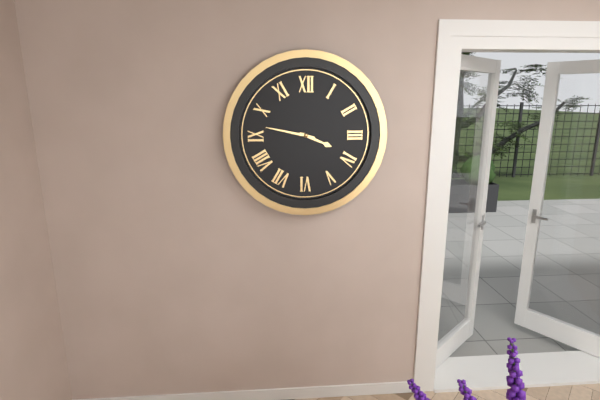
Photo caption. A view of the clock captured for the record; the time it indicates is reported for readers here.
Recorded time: 3:47
